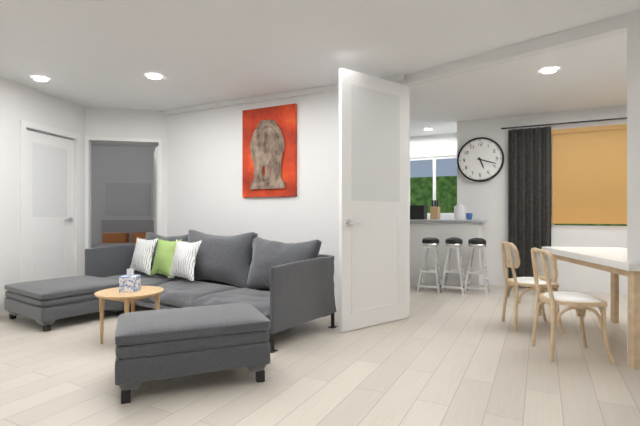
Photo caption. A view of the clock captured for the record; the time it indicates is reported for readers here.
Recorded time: 5:18
